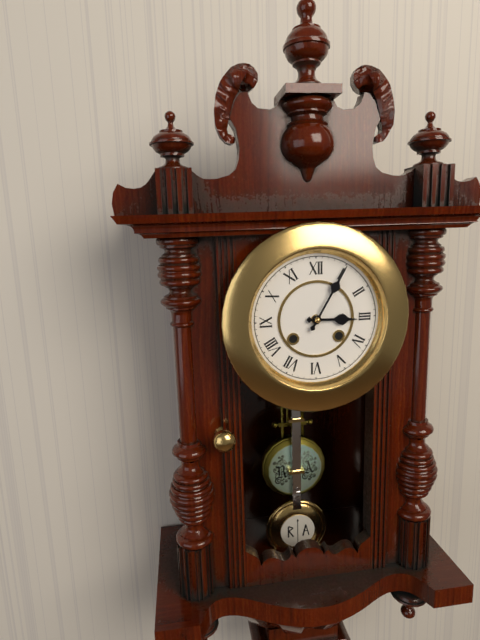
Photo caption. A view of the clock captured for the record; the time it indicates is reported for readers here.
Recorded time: 3:05
